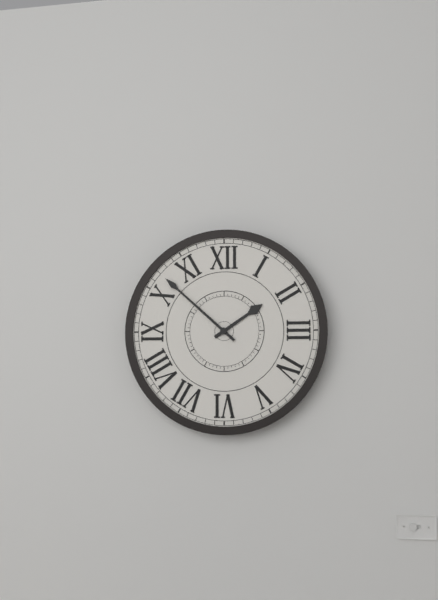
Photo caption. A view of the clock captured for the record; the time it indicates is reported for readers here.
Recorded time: 1:52
